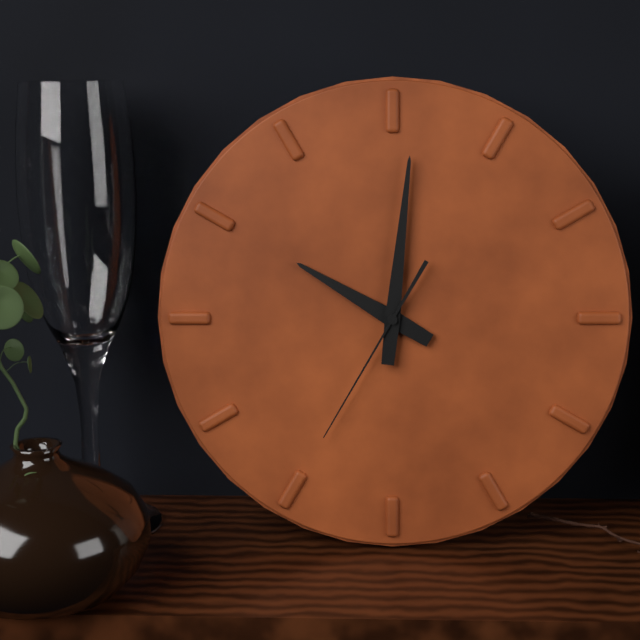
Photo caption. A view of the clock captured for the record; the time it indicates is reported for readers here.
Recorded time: 10:01:35
